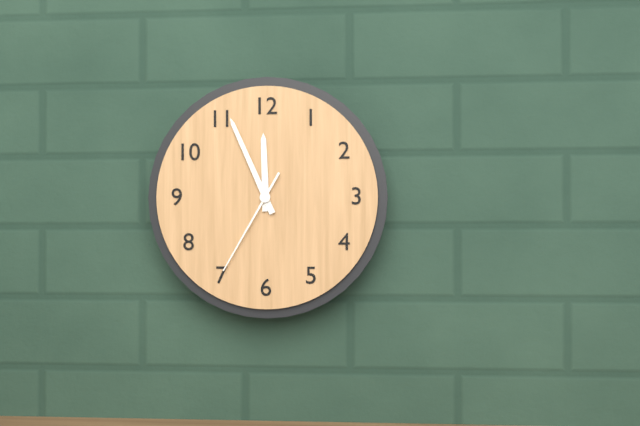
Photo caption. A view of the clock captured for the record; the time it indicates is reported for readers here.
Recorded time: 11:56:35
